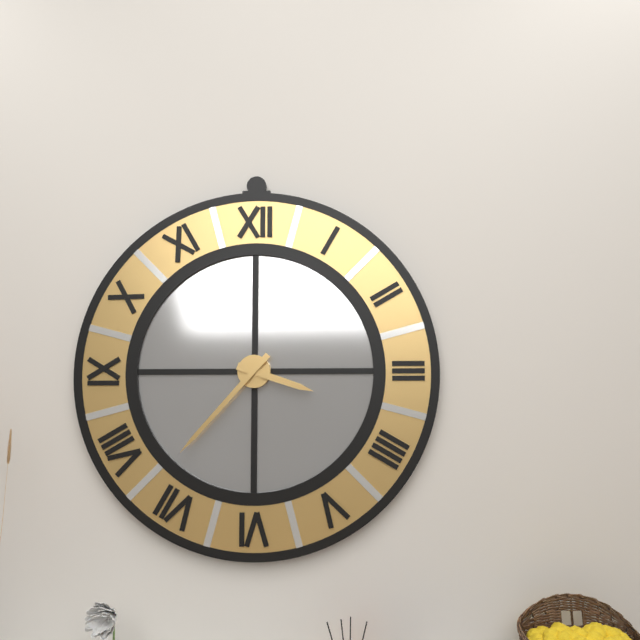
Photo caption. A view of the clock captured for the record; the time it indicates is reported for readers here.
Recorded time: 3:37
